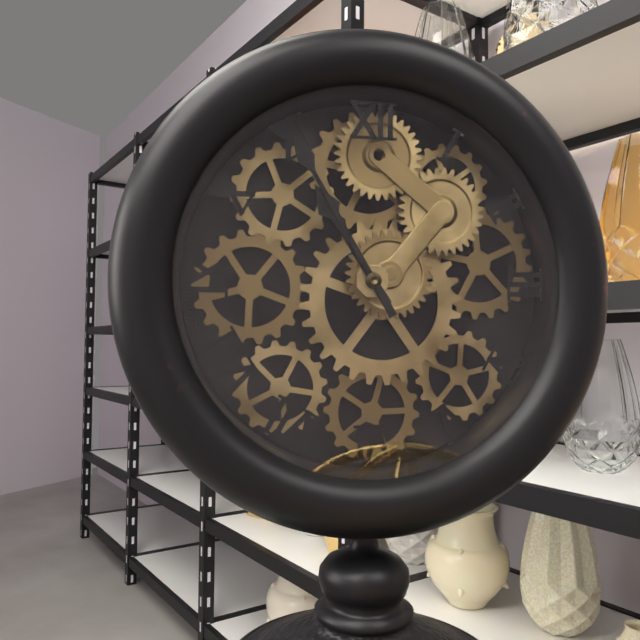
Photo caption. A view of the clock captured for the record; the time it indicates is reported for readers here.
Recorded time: 10:55
